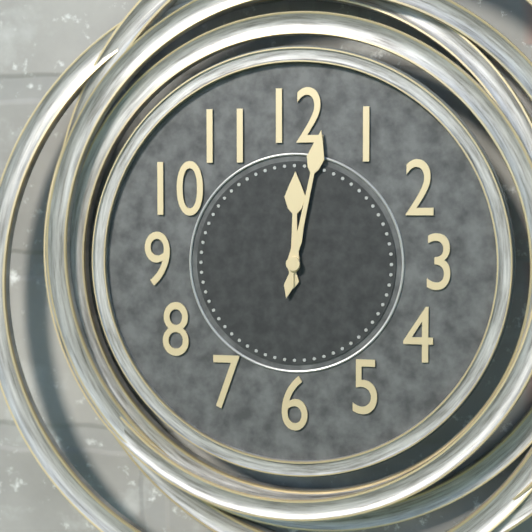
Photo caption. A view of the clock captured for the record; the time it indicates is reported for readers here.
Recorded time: 12:02
